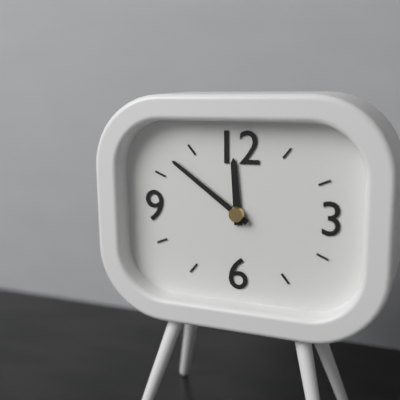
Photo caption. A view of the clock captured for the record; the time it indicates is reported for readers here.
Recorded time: 11:51
